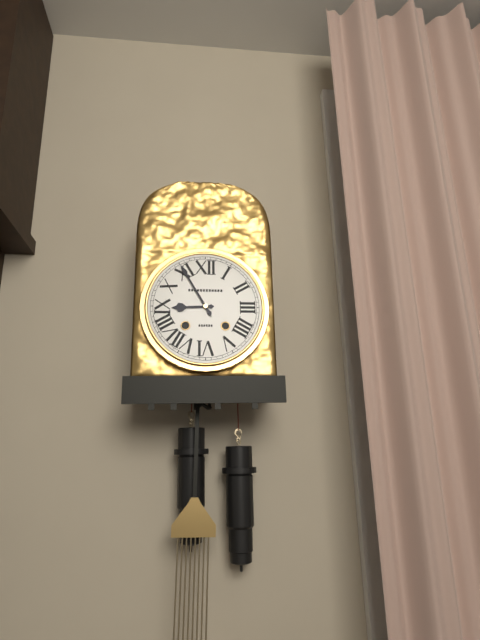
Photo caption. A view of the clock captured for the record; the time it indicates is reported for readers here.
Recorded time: 8:55
